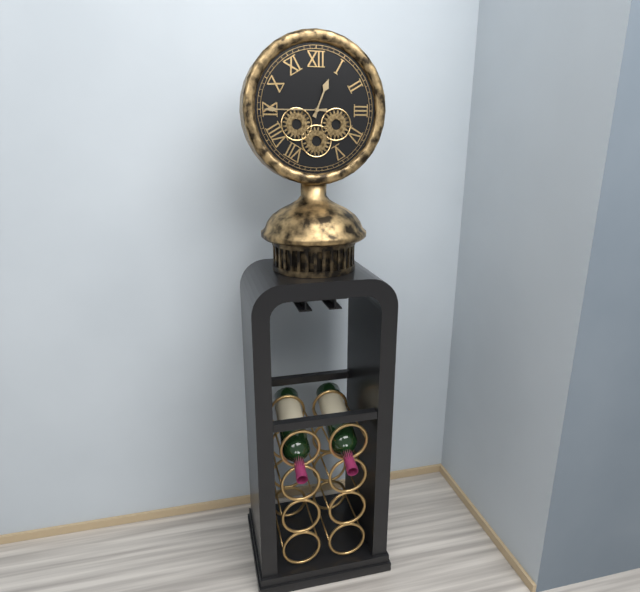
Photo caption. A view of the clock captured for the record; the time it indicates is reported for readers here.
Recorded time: 12:45
